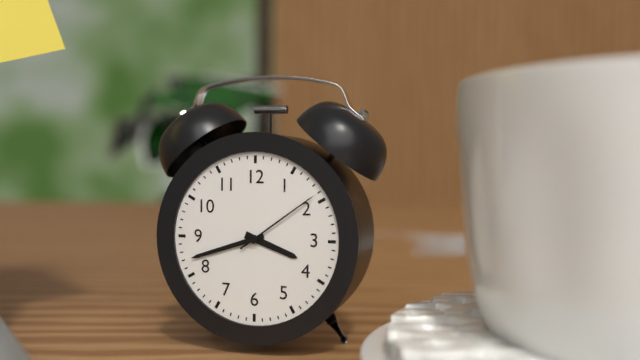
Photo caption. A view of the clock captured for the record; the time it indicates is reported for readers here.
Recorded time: 3:42:09
